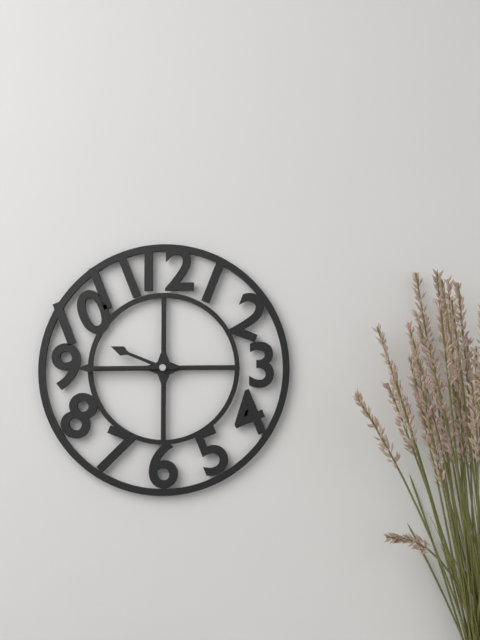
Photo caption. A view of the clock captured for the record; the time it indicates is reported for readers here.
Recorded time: 9:45
